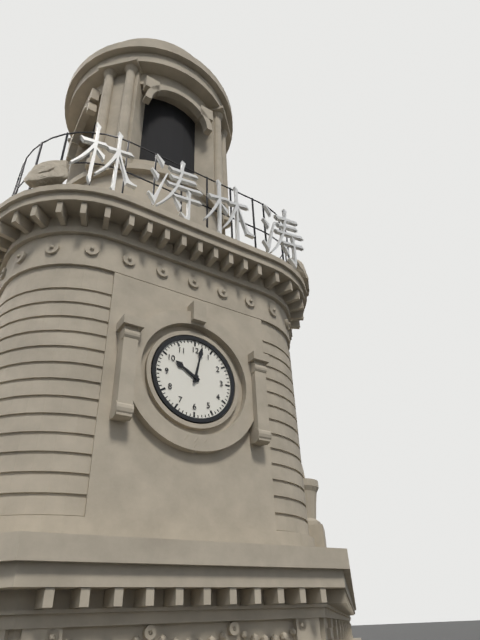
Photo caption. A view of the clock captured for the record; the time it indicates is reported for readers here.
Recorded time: 10:02
